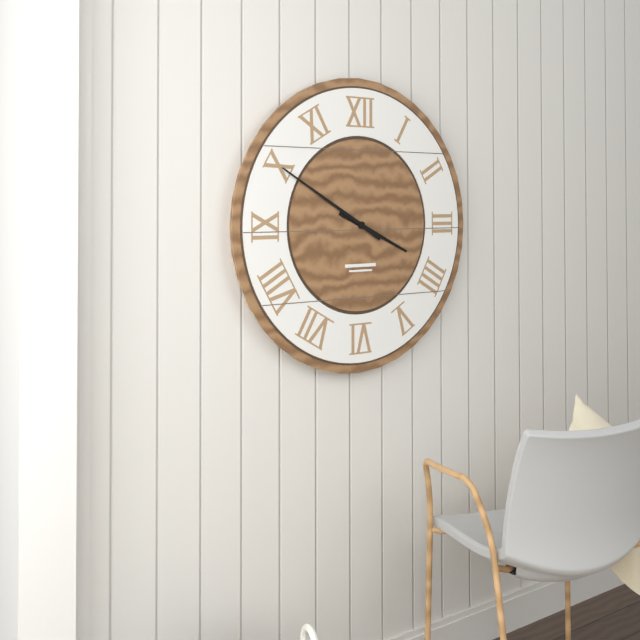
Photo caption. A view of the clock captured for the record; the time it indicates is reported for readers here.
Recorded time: 3:50
